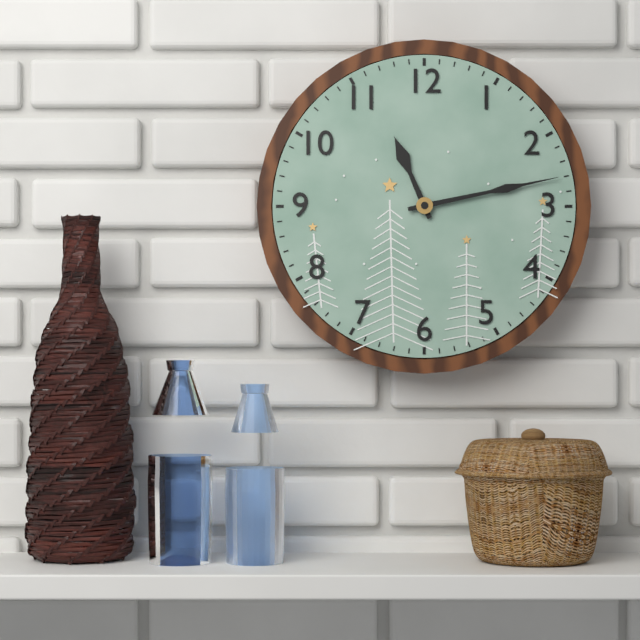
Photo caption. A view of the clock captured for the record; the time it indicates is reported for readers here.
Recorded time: 11:13
